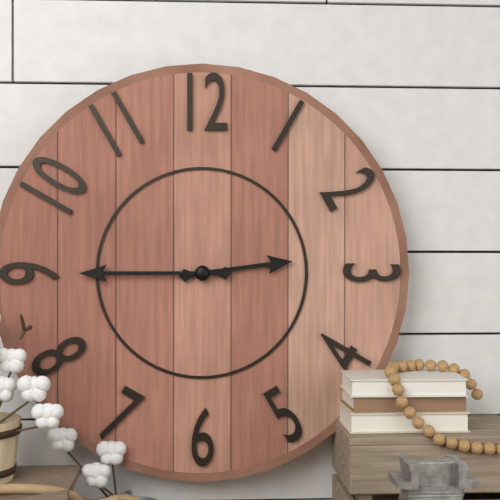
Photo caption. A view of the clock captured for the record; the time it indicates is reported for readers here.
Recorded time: 2:45
